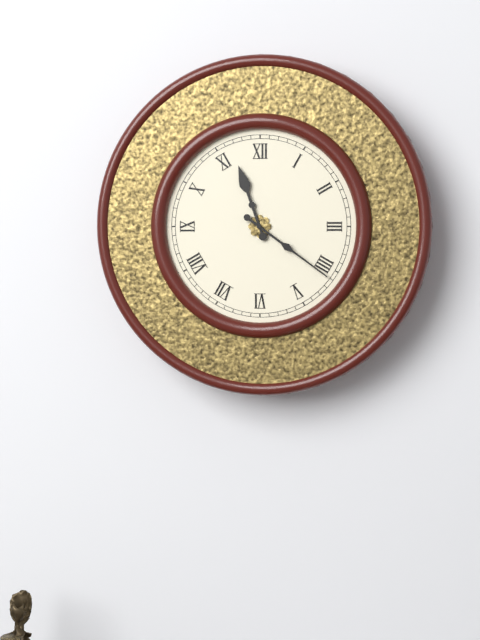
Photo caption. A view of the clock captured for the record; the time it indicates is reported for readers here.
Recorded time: 11:21
